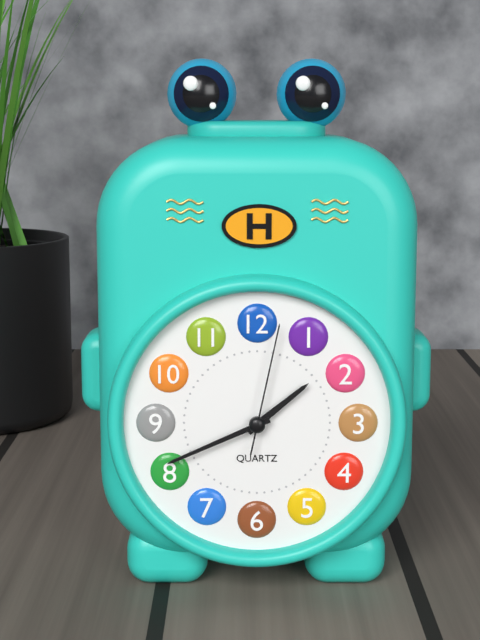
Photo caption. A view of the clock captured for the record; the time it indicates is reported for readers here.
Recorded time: 1:41:02
